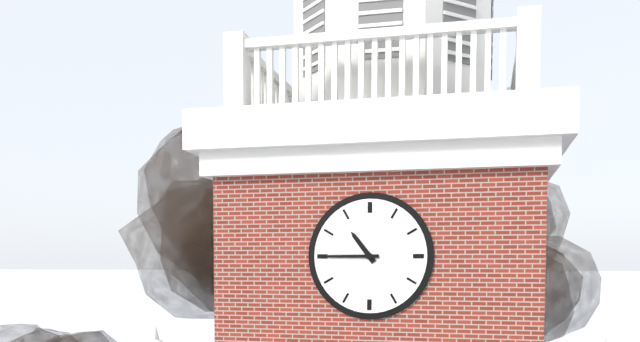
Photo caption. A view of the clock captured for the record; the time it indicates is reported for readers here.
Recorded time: 10:45
